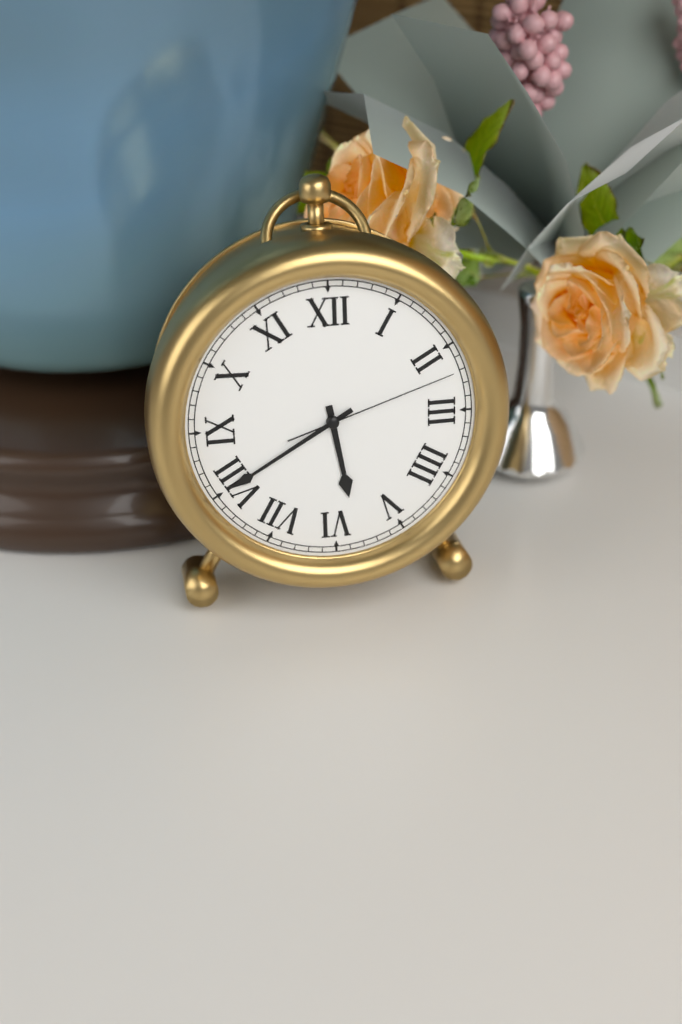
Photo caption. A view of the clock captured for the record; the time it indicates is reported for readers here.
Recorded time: 5:40:12
